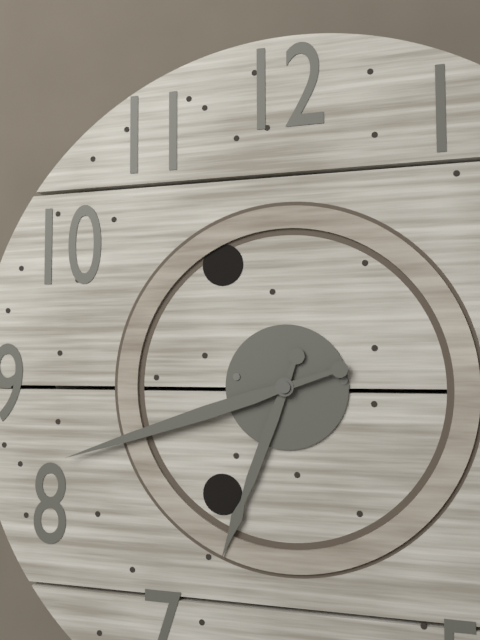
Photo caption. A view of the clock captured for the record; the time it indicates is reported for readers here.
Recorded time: 6:42
